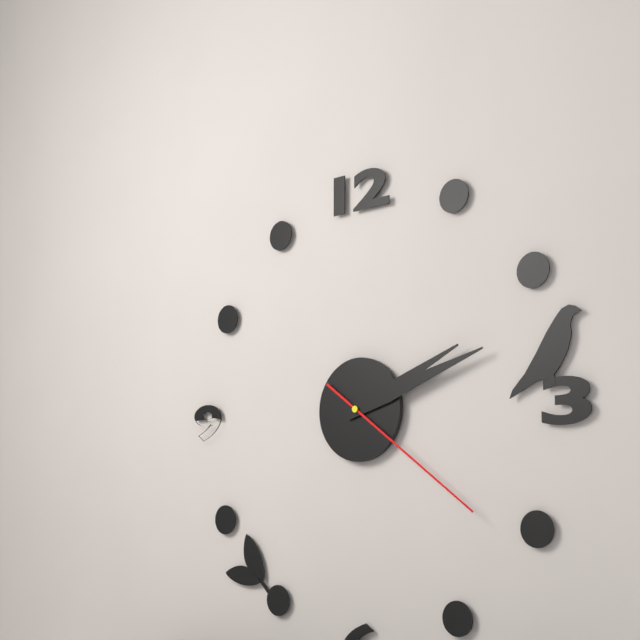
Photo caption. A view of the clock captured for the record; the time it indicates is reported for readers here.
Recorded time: 2:12:21
